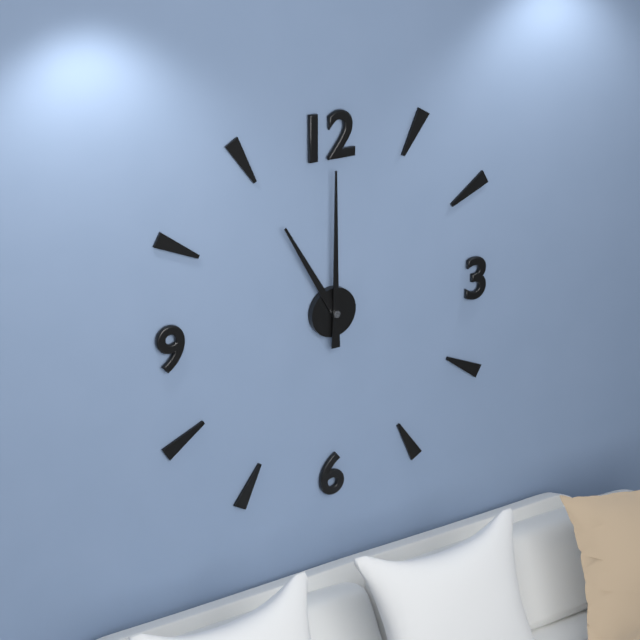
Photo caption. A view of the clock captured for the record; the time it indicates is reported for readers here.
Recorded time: 11:00
